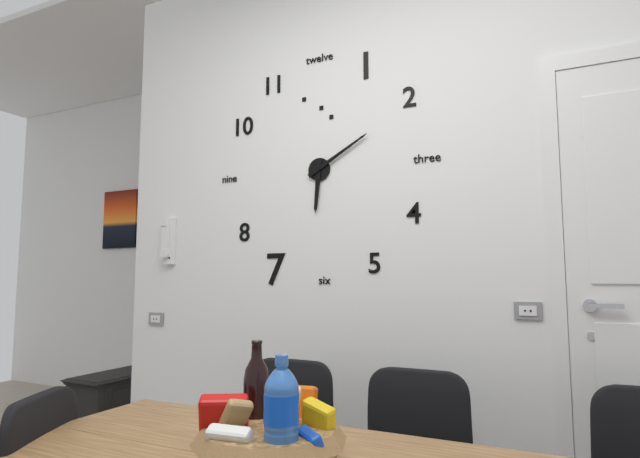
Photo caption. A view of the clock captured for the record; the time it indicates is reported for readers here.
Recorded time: 6:10
